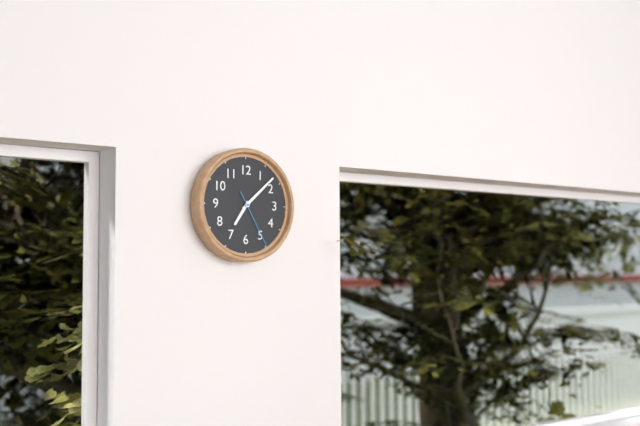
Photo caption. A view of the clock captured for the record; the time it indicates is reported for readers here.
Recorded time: 7:08:25
